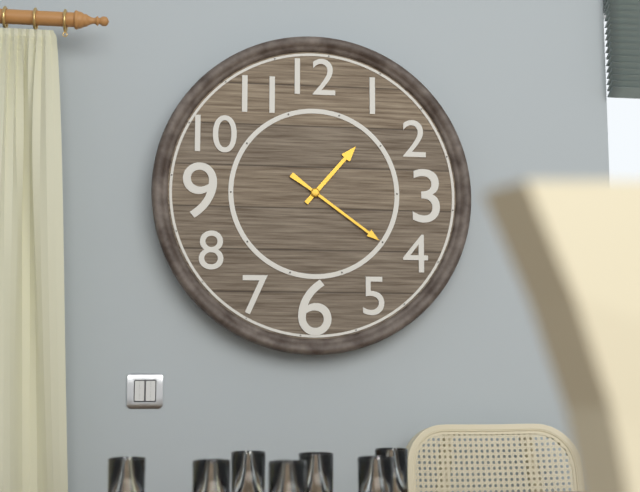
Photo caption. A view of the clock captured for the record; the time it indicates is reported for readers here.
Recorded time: 1:21
